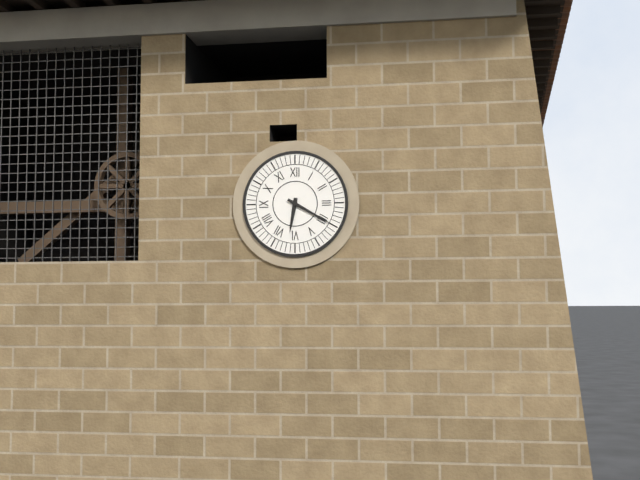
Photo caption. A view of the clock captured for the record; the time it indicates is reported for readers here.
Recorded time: 6:20
